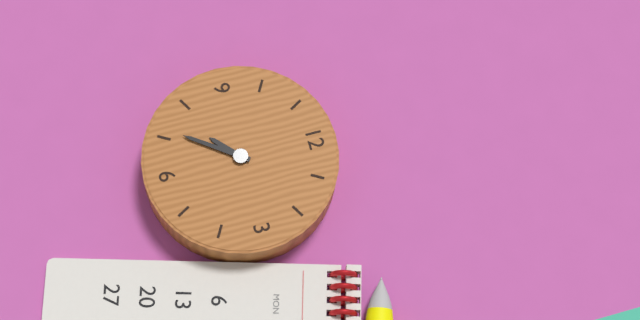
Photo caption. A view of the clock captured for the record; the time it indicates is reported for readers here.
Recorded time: 7:36
